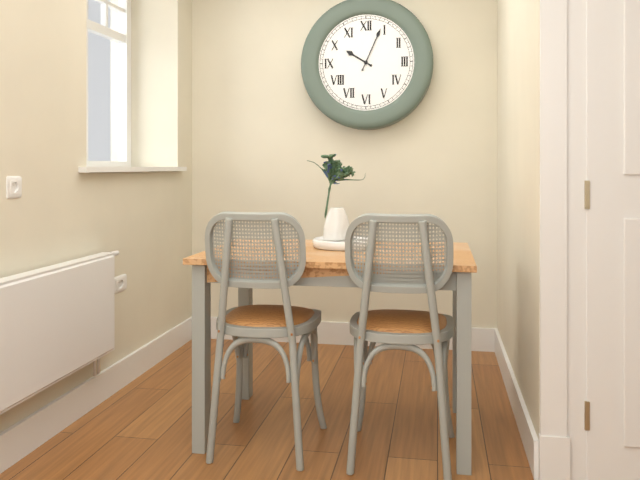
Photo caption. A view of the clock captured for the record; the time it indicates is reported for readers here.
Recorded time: 10:04
